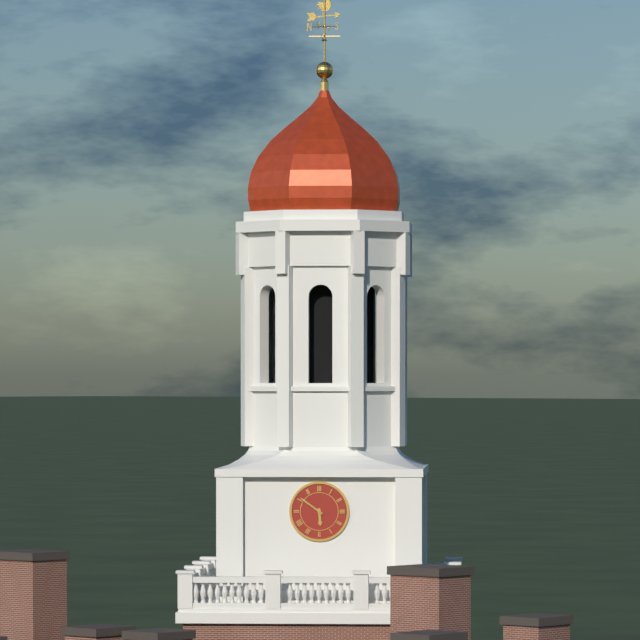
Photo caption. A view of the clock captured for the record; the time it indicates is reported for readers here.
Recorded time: 5:51
